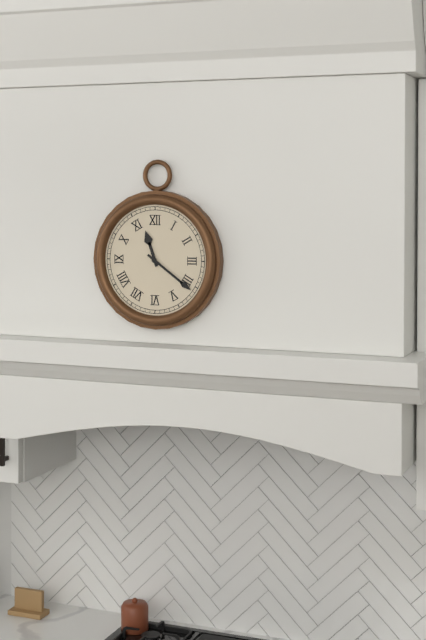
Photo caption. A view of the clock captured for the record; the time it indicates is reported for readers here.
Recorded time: 11:21
